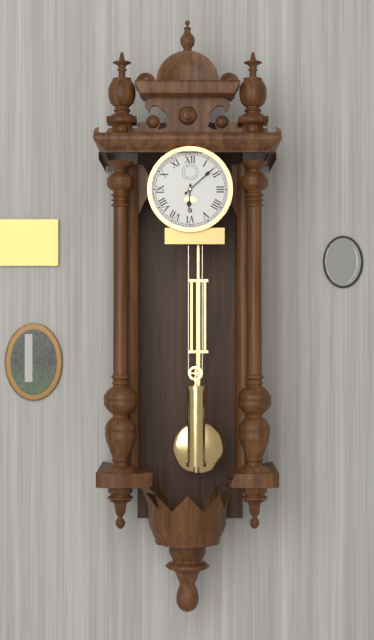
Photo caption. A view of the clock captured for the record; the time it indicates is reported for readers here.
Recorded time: 6:08
